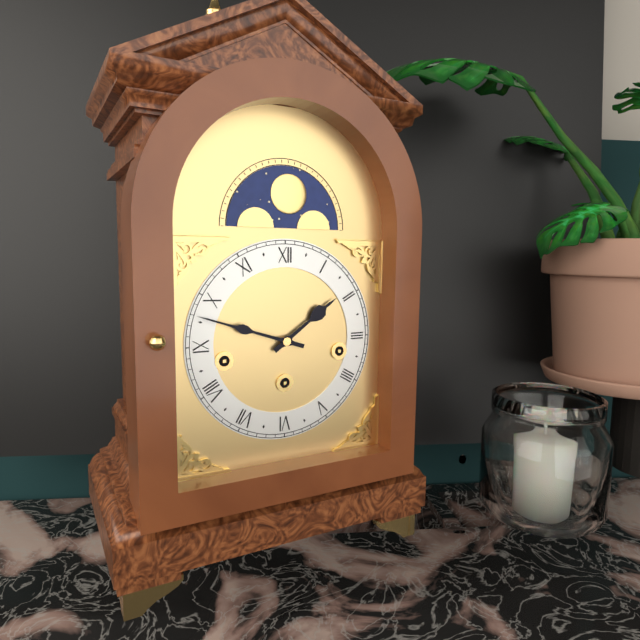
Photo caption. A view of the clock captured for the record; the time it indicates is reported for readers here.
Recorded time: 1:48
